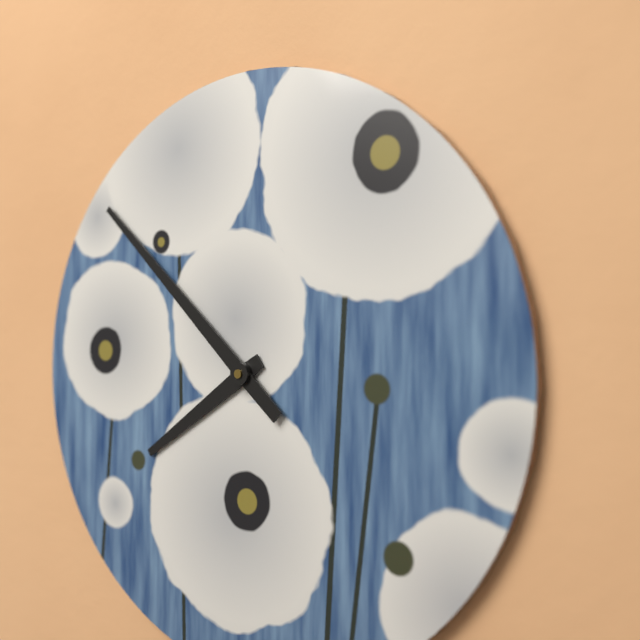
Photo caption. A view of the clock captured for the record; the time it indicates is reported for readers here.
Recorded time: 7:52
